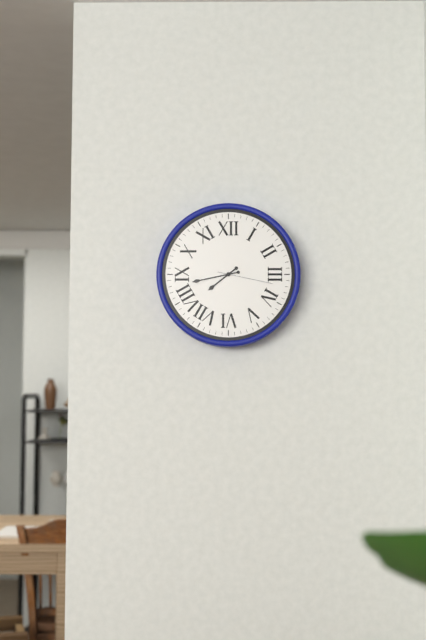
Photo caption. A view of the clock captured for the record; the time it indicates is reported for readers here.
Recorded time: 7:43:17
